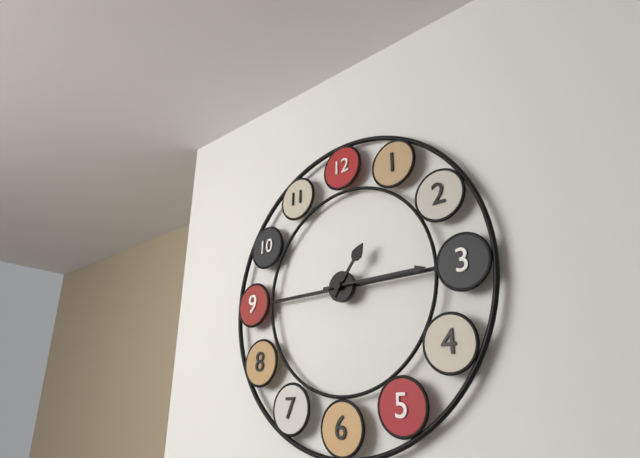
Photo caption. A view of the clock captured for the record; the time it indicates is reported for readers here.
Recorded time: 1:15
